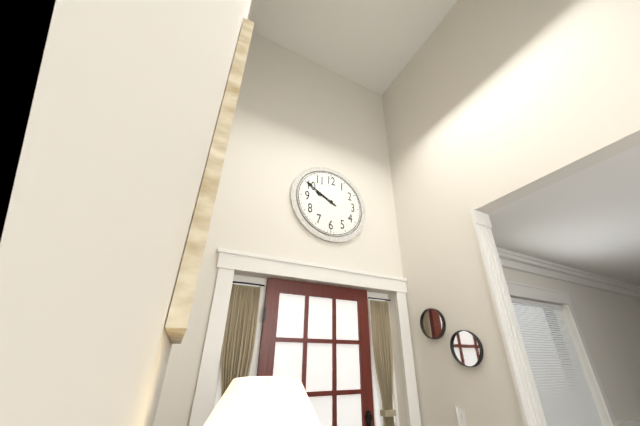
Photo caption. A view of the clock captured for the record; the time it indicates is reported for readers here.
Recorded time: 9:50
